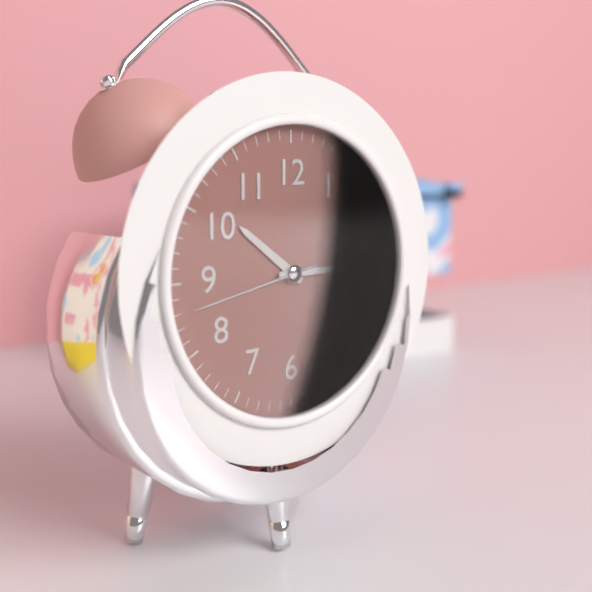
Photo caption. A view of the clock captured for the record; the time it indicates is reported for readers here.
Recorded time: 10:15:43
